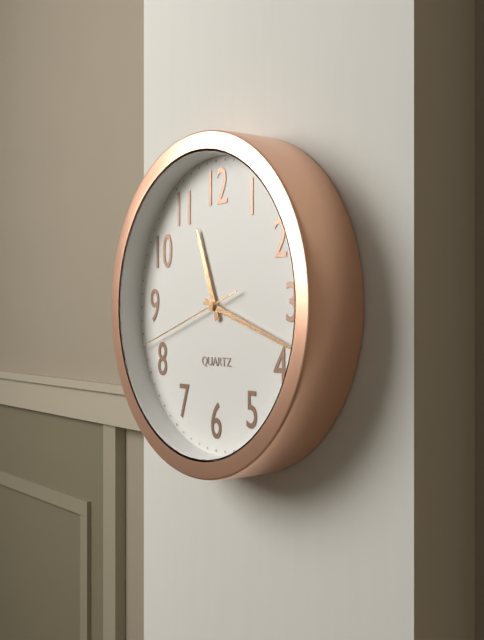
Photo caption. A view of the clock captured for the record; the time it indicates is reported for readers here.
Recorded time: 11:18:42
